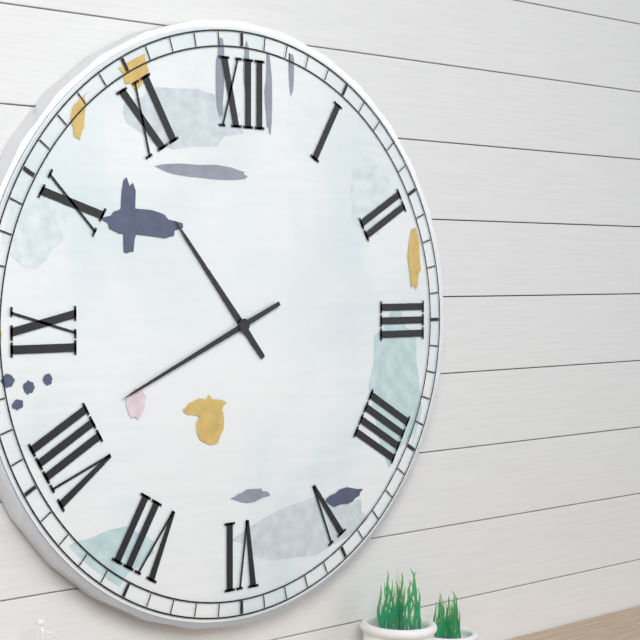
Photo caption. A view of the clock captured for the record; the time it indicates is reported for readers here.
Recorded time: 10:41
